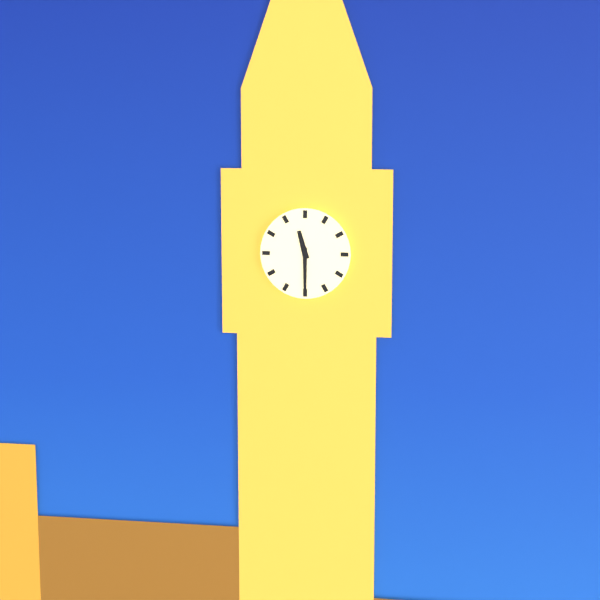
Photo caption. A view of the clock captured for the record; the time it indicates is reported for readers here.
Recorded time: 11:30
